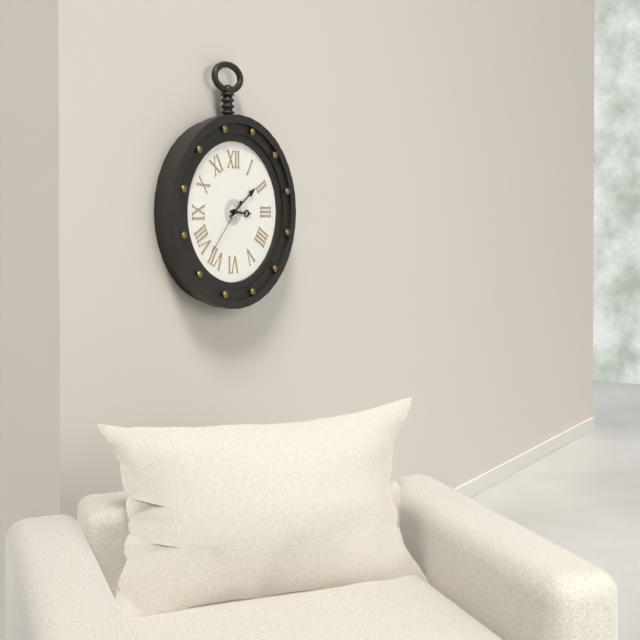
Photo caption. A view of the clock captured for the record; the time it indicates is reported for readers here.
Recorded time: 3:09:37
